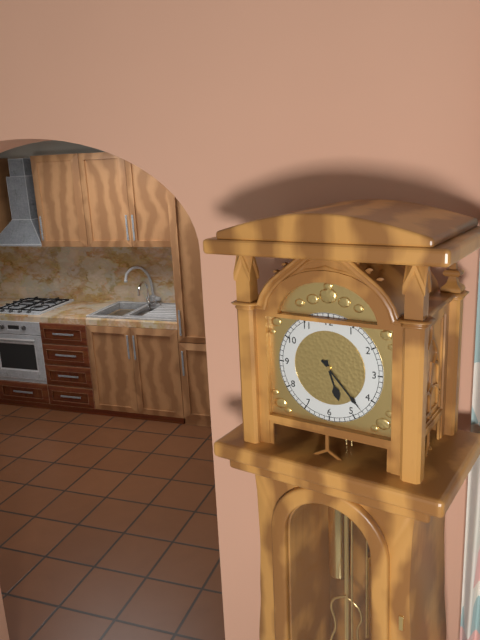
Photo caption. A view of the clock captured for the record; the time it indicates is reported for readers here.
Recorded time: 5:23
